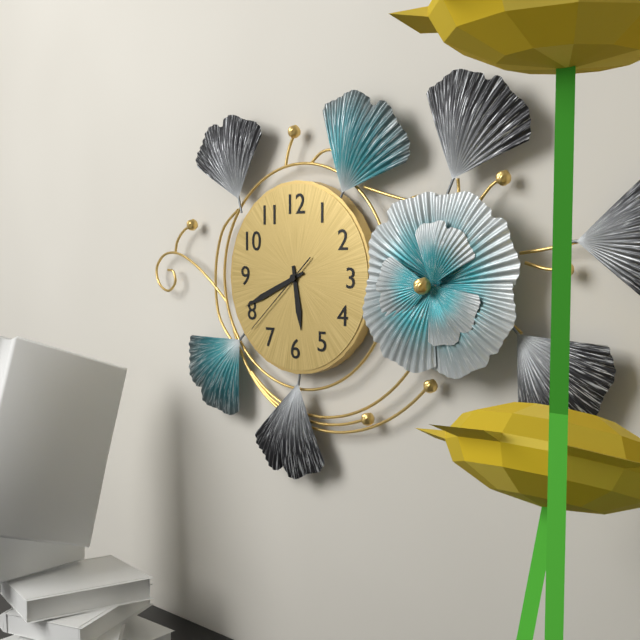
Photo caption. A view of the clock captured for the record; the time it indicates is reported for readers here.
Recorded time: 5:41:38
